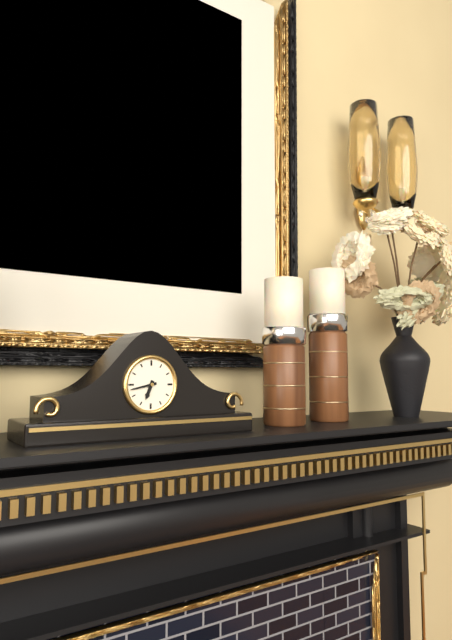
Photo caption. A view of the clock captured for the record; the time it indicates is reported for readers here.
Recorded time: 6:43
